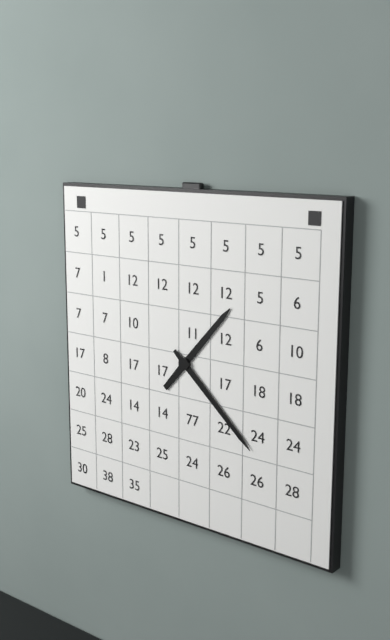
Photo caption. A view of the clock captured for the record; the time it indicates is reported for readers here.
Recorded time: 1:22
